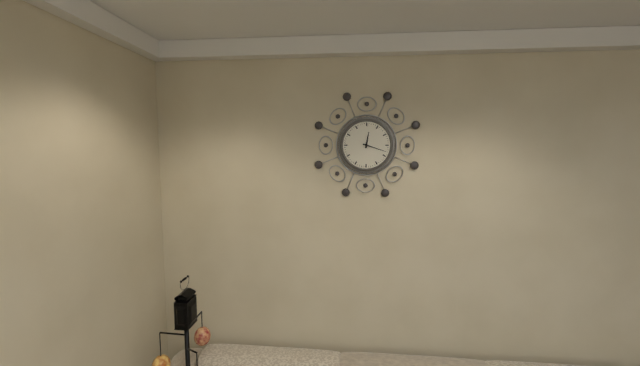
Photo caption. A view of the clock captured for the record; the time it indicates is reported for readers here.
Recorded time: 12:18
